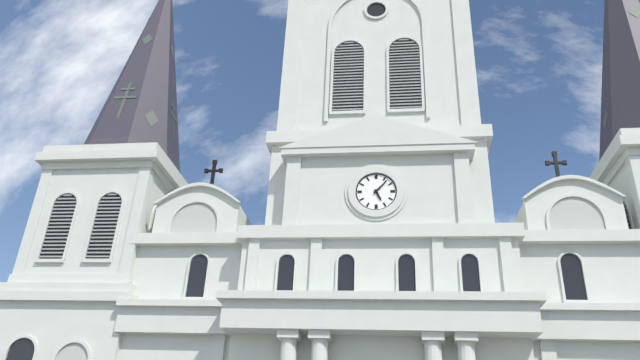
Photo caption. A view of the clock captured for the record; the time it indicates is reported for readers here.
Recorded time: 5:07
